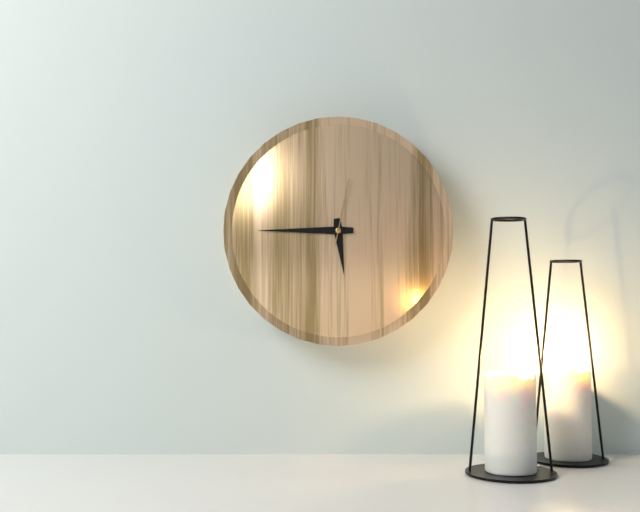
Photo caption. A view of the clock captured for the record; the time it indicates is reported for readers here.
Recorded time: 5:45:02
